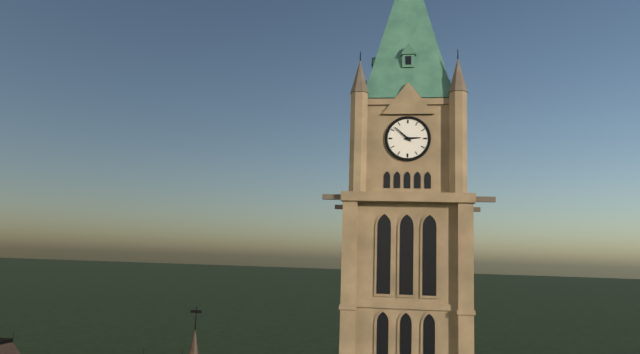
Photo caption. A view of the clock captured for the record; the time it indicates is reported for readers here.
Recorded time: 2:52
